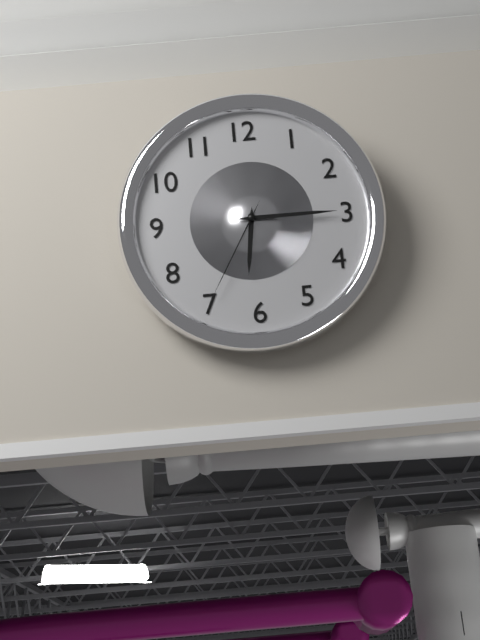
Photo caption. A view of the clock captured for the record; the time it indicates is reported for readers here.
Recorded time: 6:15:35
